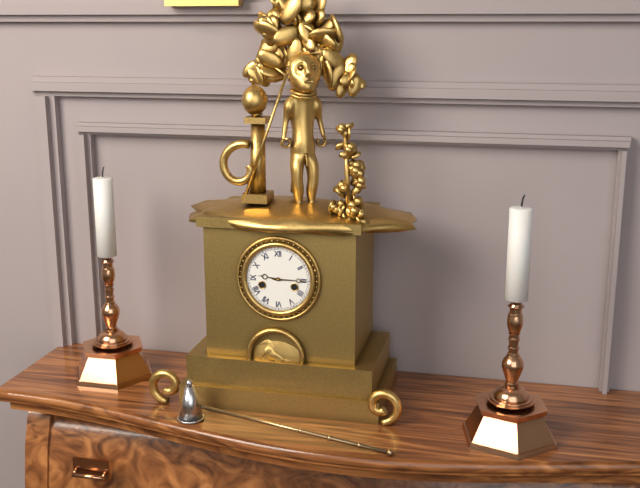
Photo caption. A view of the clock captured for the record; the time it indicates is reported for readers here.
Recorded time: 9:15
